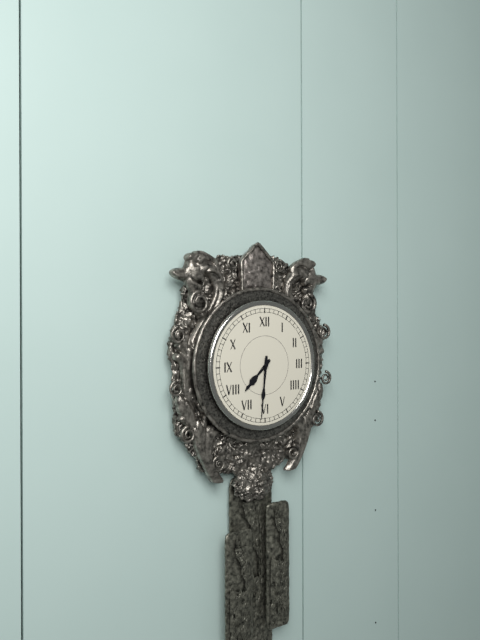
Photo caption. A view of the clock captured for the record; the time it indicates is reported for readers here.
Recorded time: 7:31
